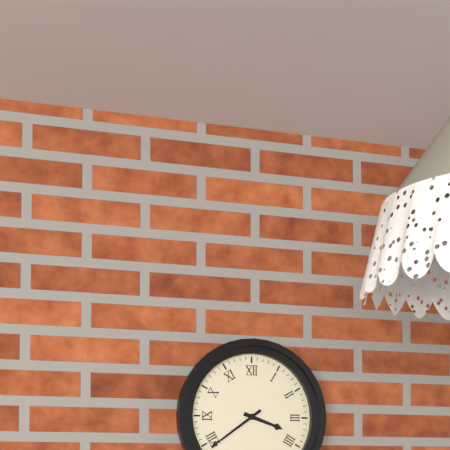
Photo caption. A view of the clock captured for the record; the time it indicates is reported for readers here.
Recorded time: 3:39
